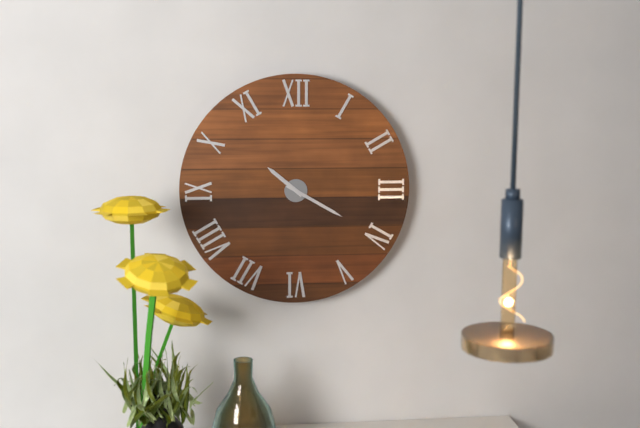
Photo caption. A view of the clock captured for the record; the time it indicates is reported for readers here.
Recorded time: 10:20
